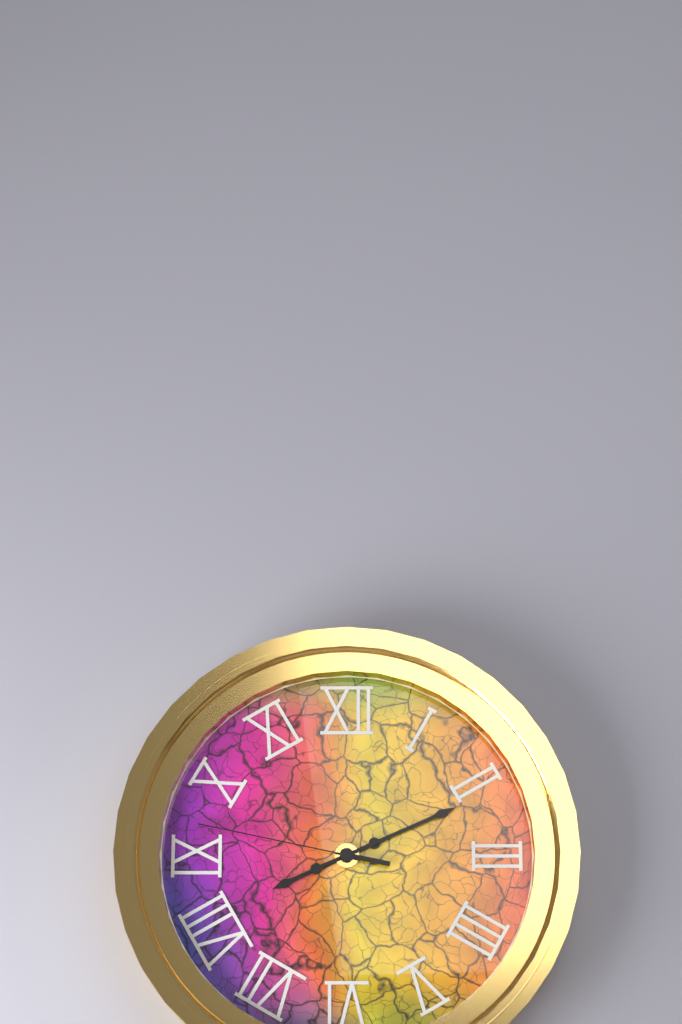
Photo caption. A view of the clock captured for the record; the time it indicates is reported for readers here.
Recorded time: 8:11:47
